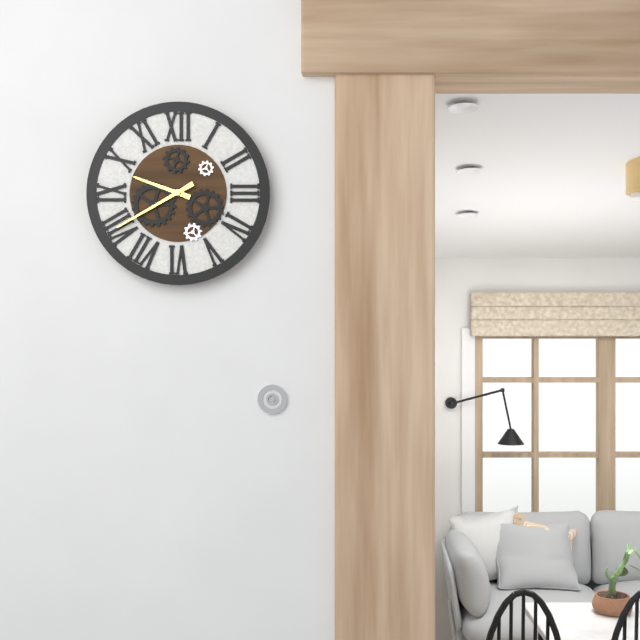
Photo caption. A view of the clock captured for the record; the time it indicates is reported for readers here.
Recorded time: 9:40
